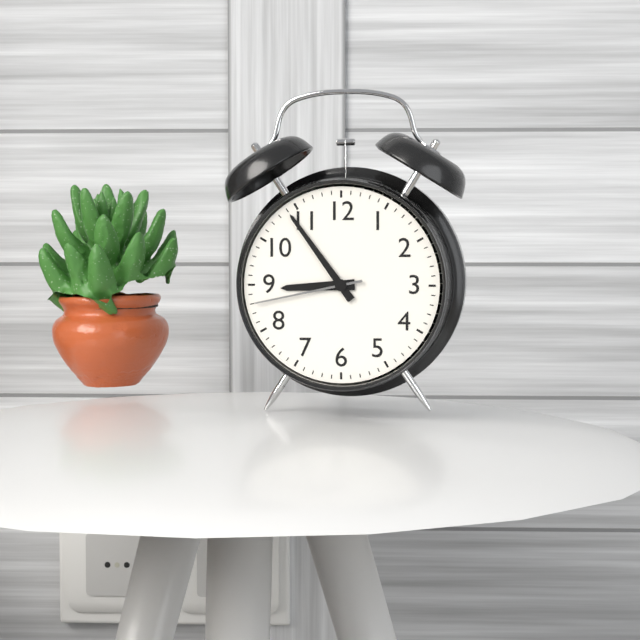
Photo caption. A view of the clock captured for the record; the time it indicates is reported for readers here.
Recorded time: 8:54:43
